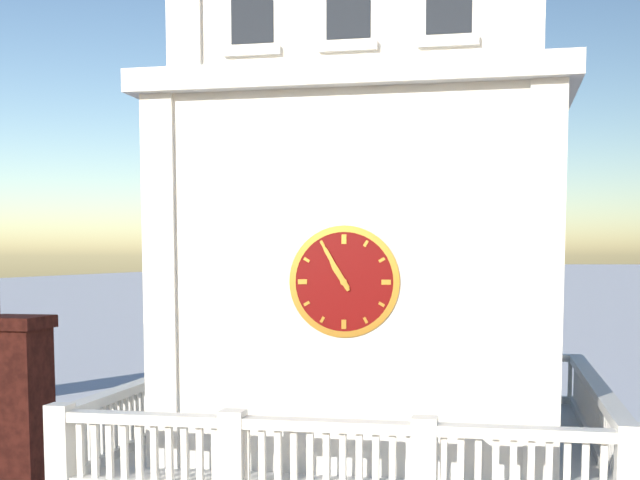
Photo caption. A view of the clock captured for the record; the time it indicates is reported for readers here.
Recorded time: 10:55
